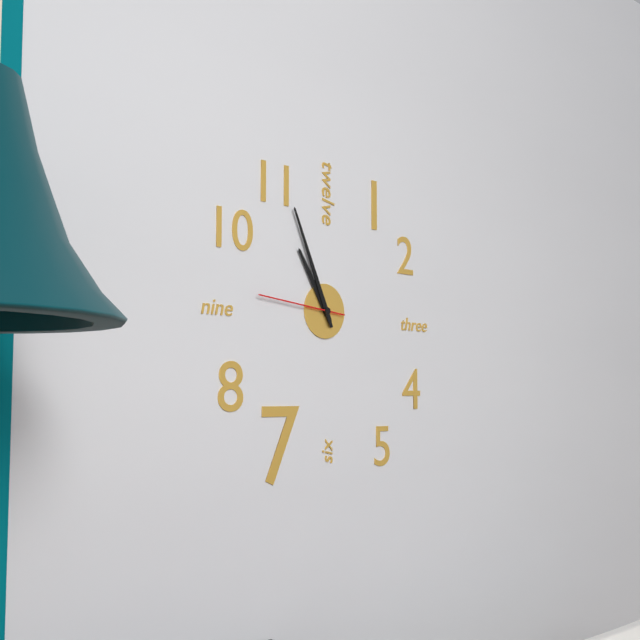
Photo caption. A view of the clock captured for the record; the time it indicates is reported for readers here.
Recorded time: 10:56:46
